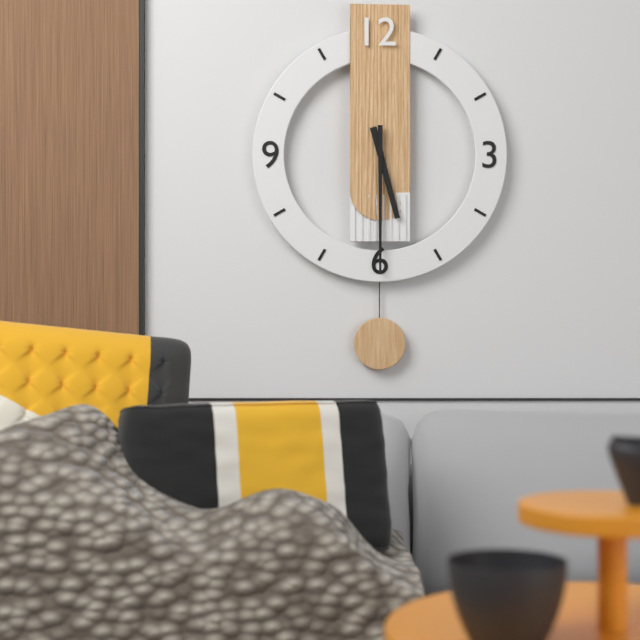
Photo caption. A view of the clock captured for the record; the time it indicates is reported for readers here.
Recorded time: 5:30
